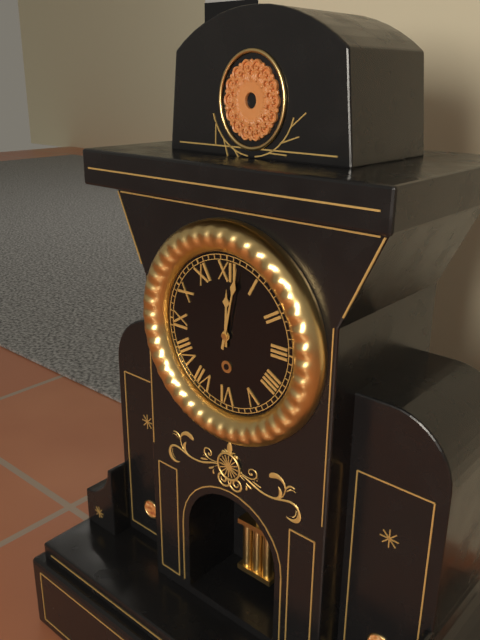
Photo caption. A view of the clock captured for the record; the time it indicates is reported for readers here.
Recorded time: 12:02
